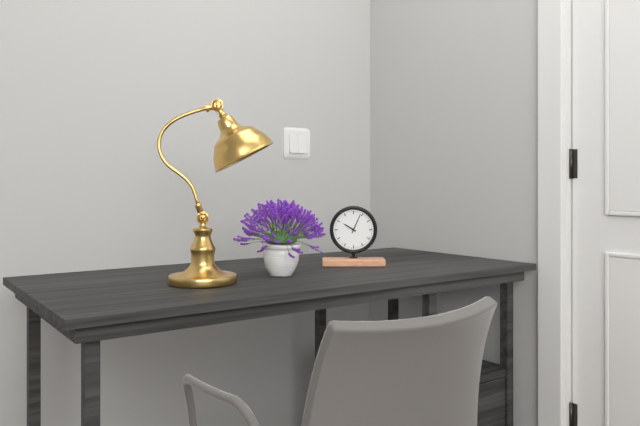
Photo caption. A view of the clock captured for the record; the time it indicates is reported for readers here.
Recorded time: 10:04
